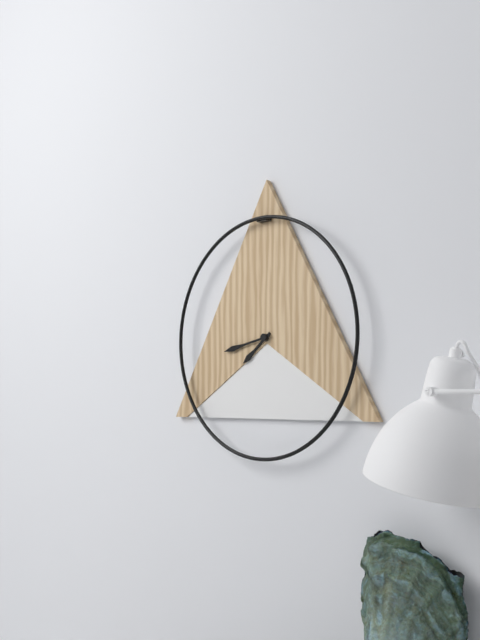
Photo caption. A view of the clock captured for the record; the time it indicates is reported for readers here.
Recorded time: 7:43
